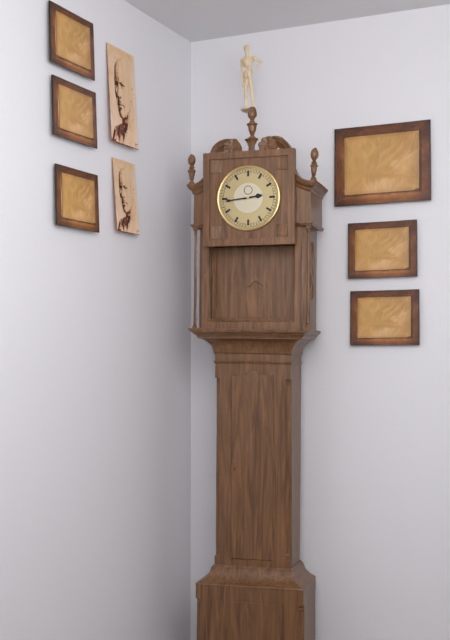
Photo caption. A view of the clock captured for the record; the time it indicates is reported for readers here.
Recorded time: 2:44
